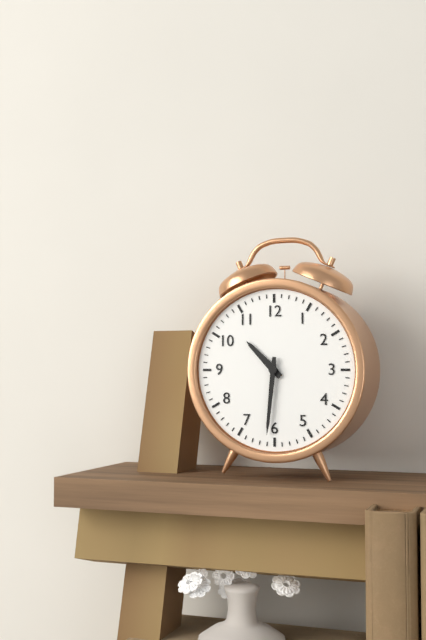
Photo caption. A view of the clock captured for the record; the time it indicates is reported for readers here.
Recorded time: 10:31
